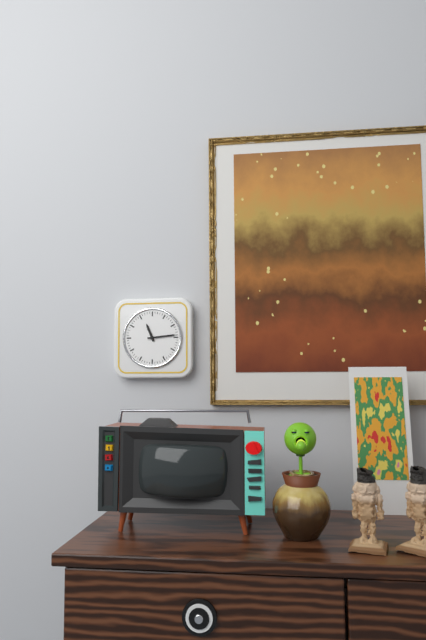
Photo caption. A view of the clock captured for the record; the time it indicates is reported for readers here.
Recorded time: 11:14
